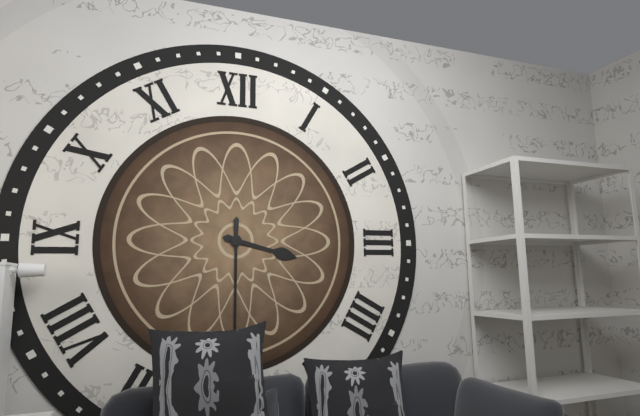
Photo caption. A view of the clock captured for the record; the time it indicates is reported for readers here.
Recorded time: 3:30
